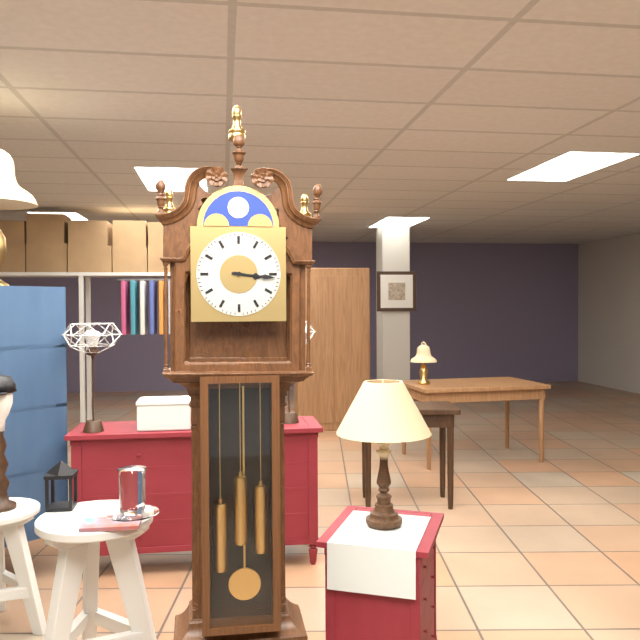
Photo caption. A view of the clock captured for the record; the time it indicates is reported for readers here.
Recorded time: 3:16
